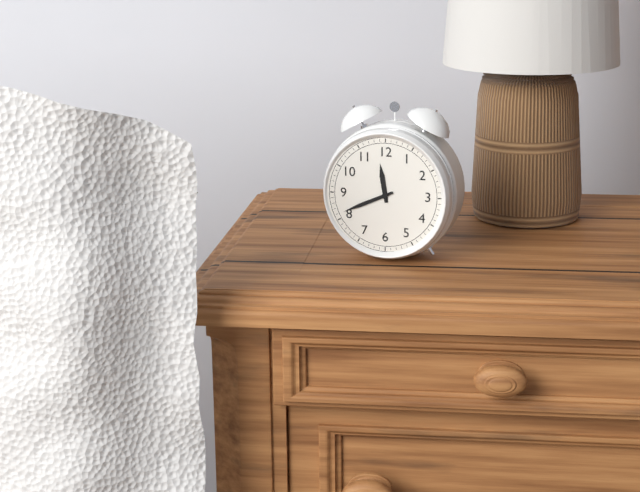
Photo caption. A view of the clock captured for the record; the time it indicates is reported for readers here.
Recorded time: 11:41
